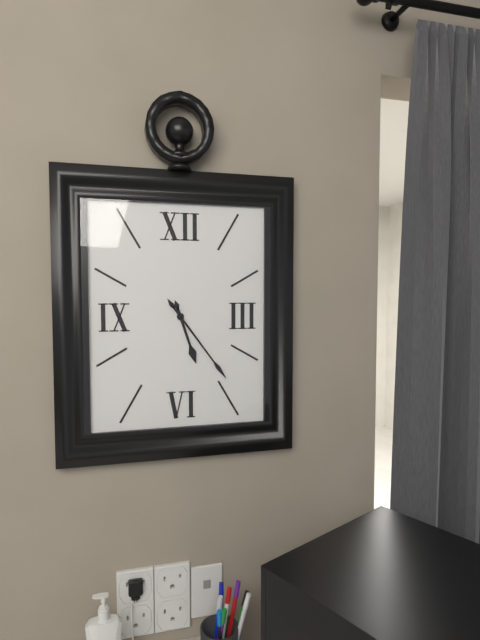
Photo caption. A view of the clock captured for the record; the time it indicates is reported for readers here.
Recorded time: 5:24
